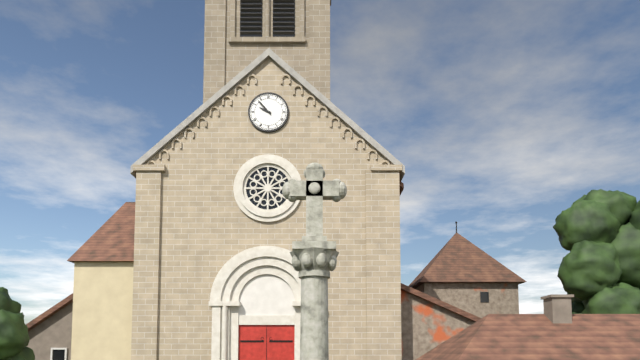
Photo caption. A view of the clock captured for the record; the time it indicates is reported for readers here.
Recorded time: 9:53
